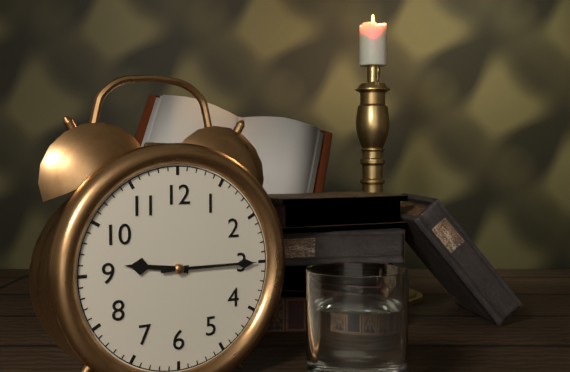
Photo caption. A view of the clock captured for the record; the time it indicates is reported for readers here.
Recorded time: 9:15
